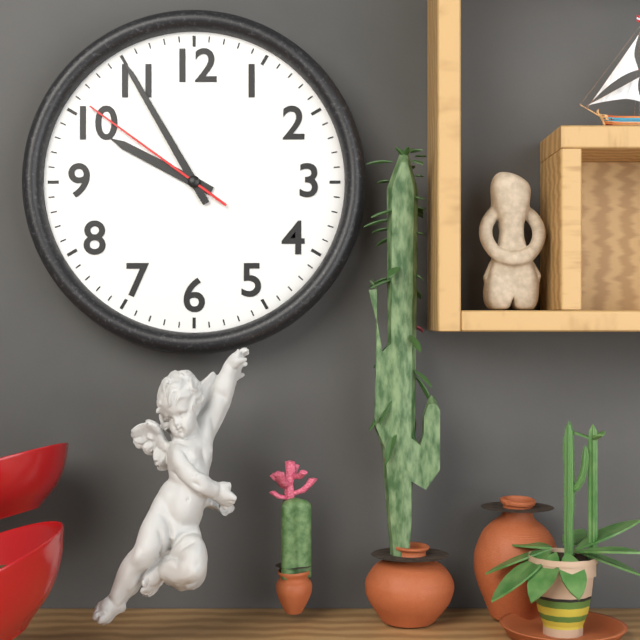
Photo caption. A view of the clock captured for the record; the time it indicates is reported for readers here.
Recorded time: 9:55:51
